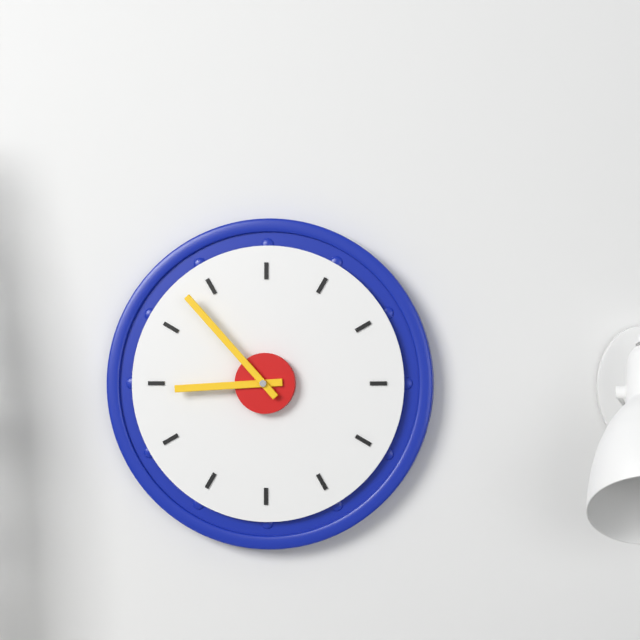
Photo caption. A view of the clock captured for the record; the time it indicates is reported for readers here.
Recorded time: 8:53
